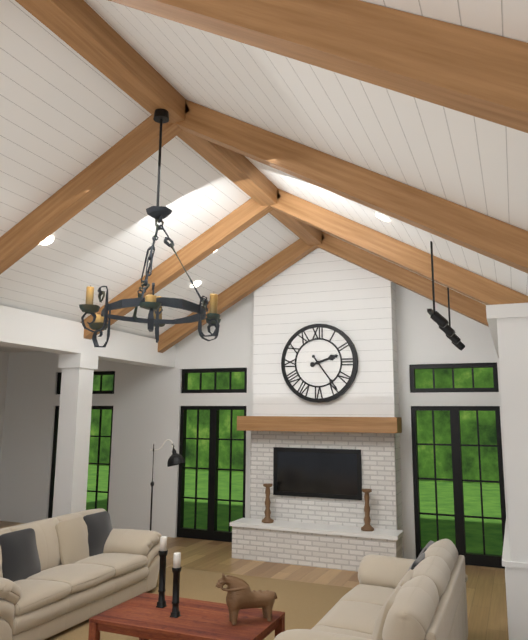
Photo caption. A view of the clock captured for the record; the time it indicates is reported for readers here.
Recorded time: 2:24
